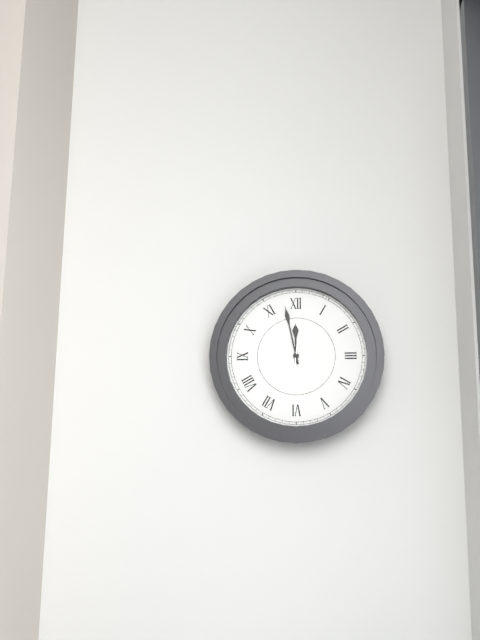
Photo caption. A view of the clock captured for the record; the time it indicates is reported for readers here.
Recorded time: 11:58:31
